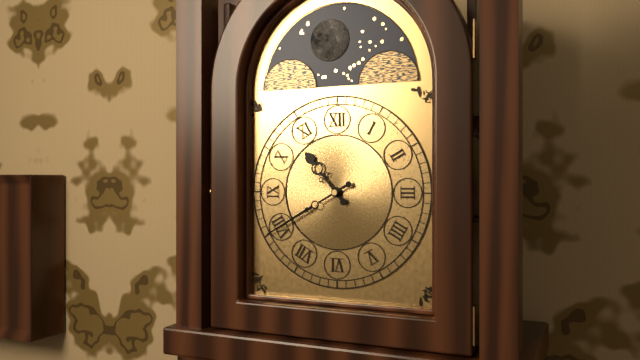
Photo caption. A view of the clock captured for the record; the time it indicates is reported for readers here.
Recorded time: 10:40
